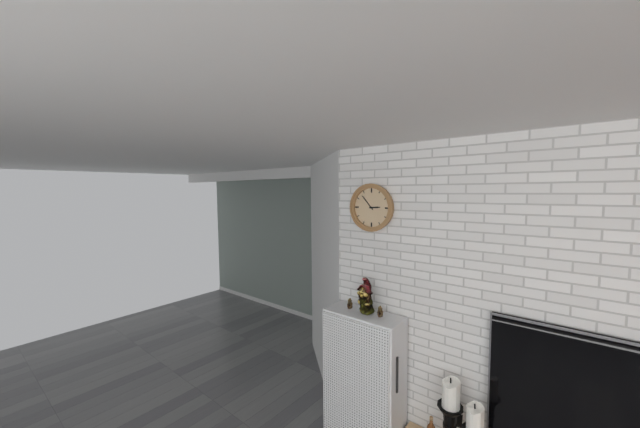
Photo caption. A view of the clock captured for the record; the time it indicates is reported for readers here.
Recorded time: 2:53
